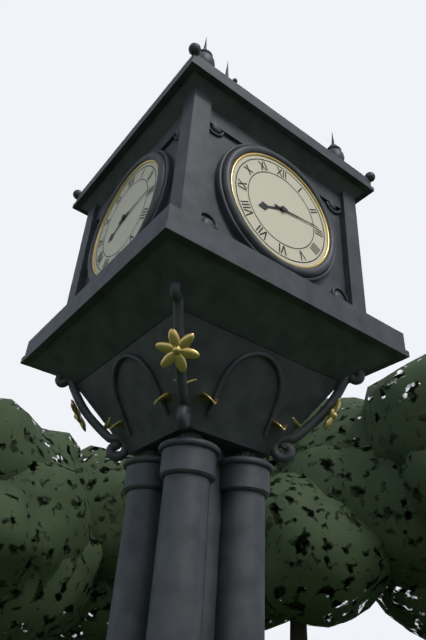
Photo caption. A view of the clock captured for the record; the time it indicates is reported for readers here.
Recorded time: 8:14
